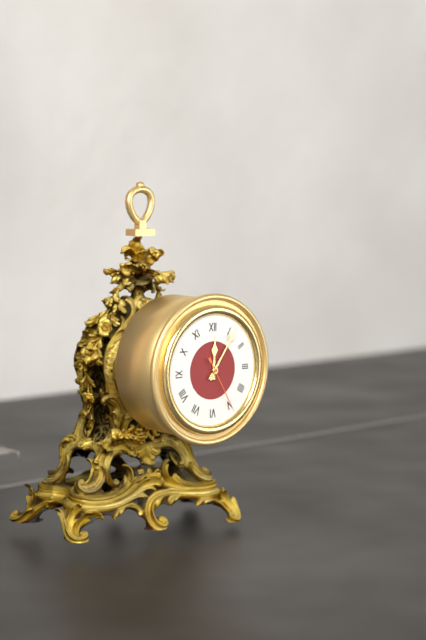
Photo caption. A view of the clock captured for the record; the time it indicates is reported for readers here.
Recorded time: 12:06:25
